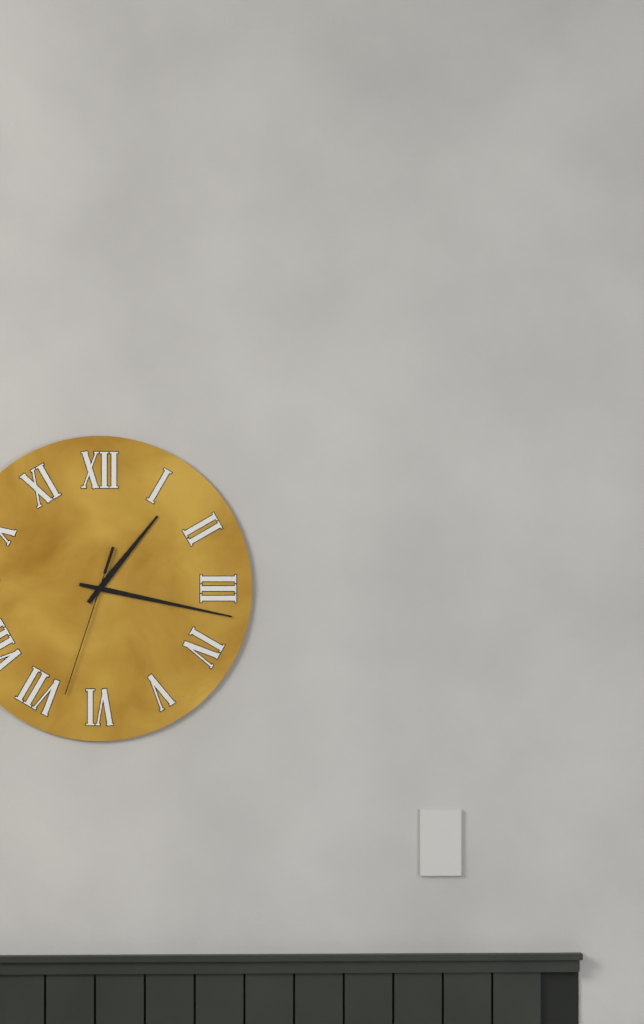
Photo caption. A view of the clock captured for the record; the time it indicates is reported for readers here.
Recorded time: 1:17:33
